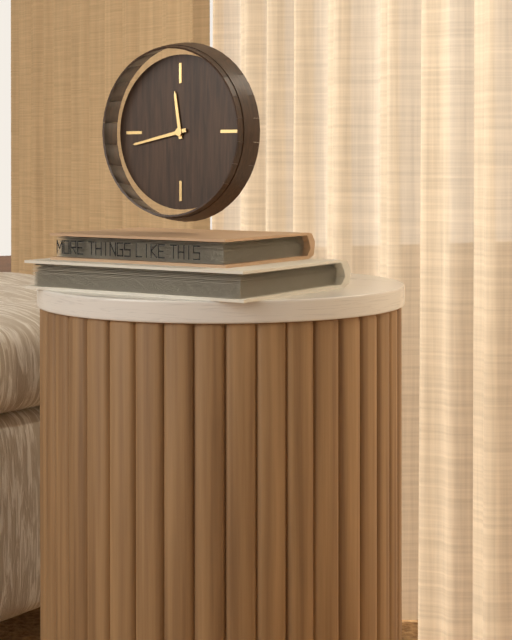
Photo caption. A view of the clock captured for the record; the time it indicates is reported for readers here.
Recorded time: 11:43
